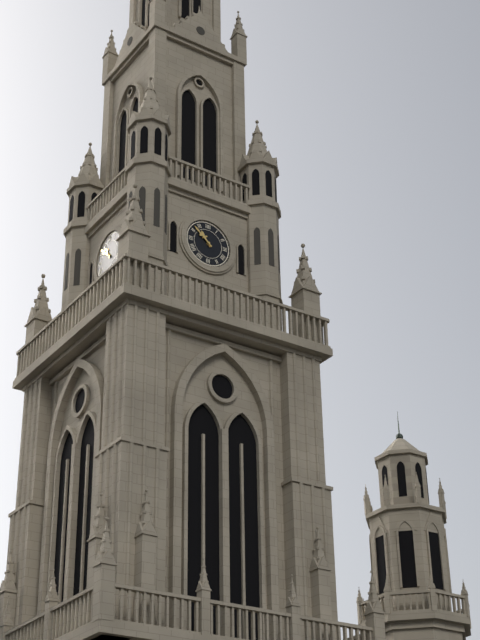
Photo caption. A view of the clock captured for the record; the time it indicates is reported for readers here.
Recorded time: 10:52
